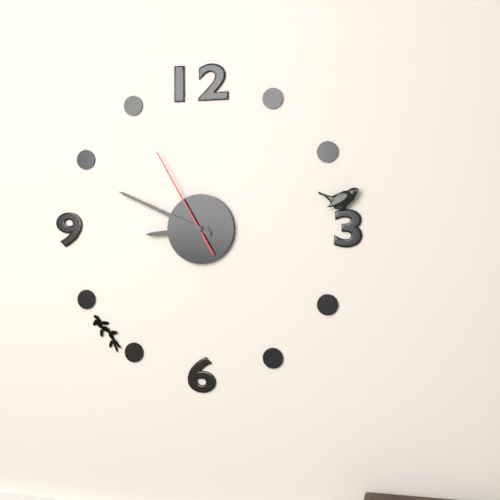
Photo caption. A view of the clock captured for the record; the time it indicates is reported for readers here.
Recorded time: 8:49:55
